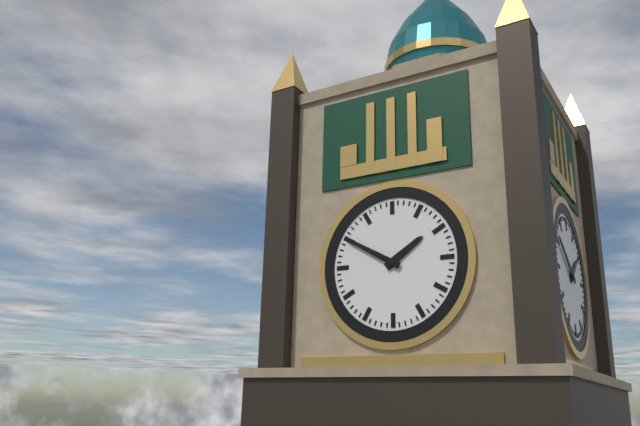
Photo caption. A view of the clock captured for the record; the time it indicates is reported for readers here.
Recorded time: 1:50
